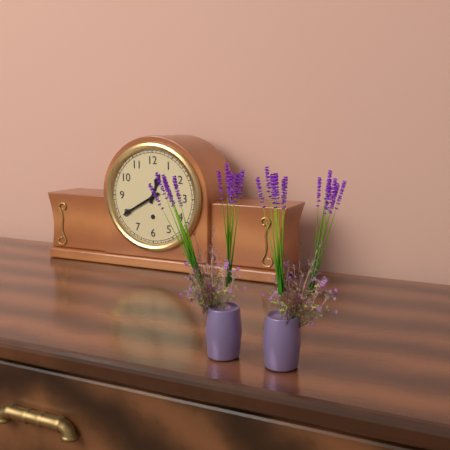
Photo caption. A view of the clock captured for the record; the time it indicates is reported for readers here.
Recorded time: 12:40
